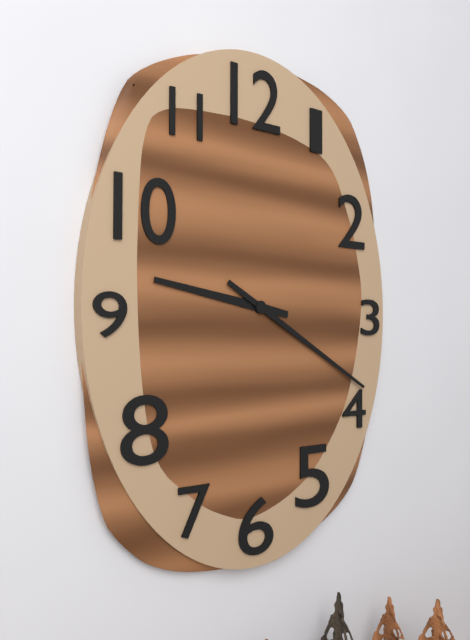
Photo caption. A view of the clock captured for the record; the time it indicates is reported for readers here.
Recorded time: 9:20
